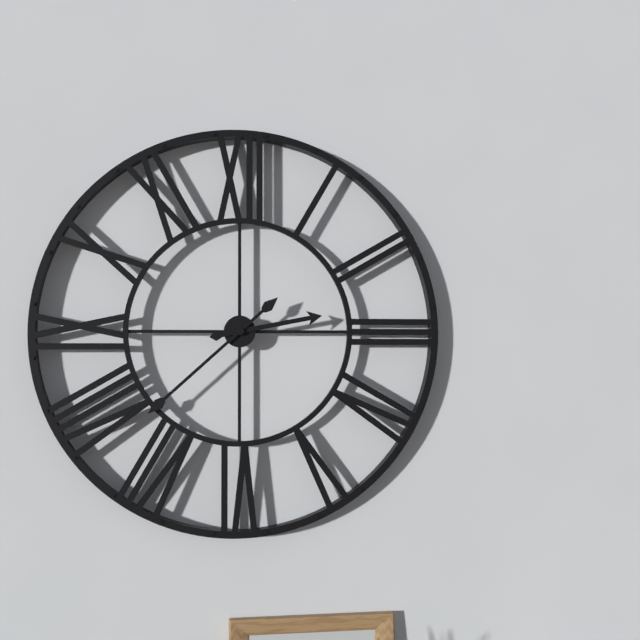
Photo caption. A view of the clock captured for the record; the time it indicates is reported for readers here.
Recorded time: 2:38
